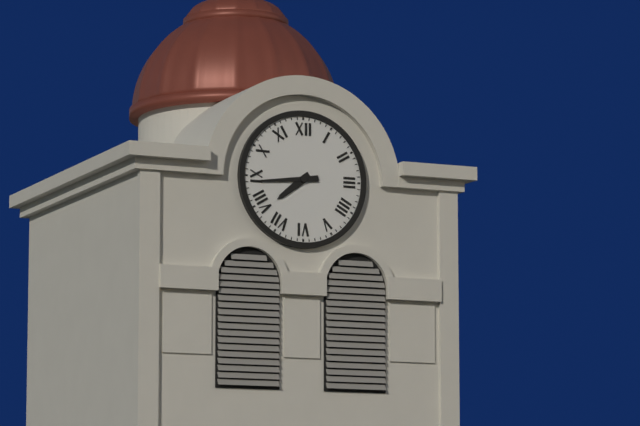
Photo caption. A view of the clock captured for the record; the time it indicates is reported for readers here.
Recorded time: 7:44
